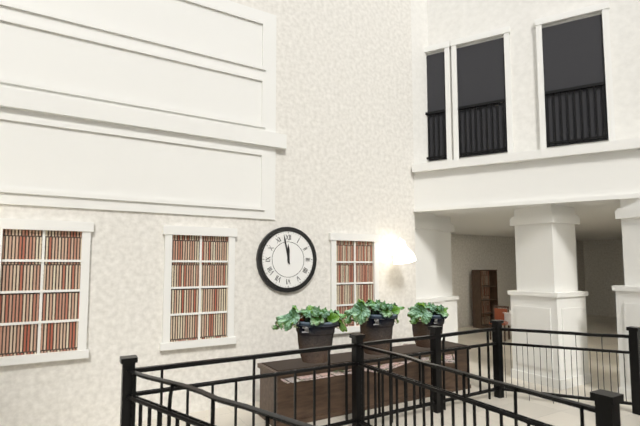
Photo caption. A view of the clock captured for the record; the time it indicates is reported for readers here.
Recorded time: 11:58
